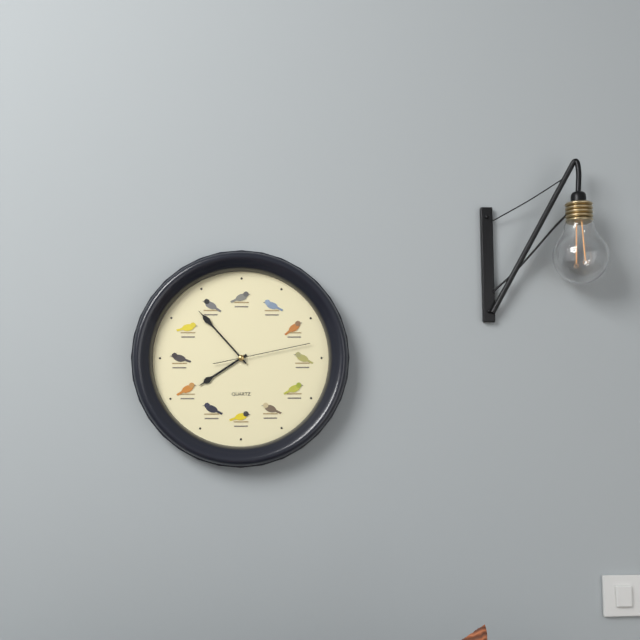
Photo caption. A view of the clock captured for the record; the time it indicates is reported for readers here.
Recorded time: 7:53:13
